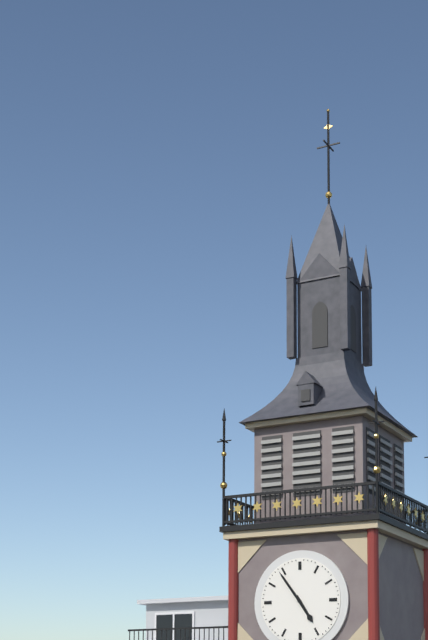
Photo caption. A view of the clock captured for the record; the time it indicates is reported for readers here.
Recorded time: 4:54
